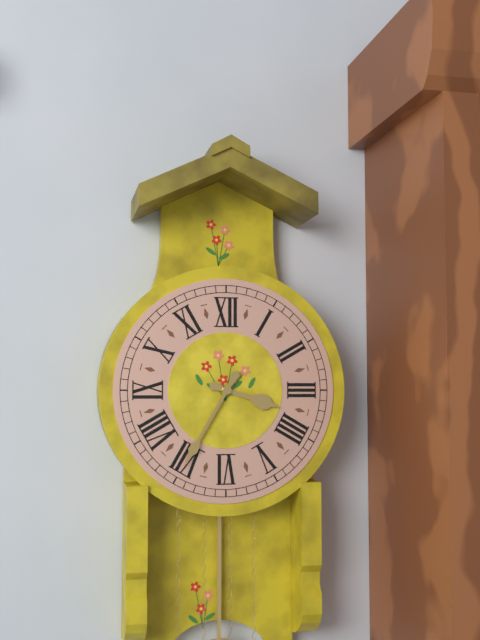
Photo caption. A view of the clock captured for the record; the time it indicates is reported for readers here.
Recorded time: 3:35
